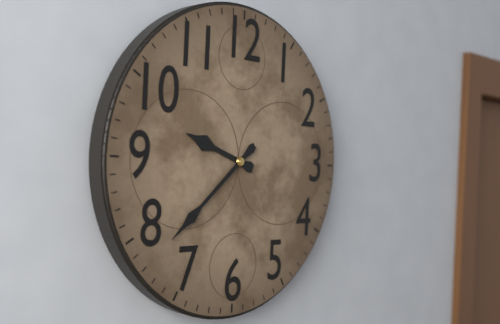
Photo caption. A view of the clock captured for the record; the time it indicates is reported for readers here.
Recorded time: 9:38
